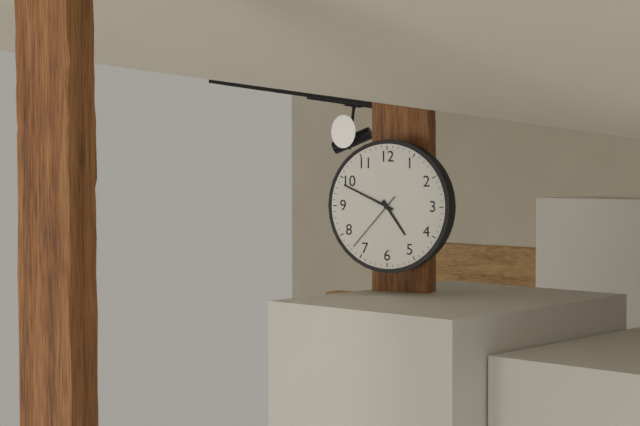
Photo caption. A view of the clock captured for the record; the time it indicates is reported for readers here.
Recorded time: 4:49:37
